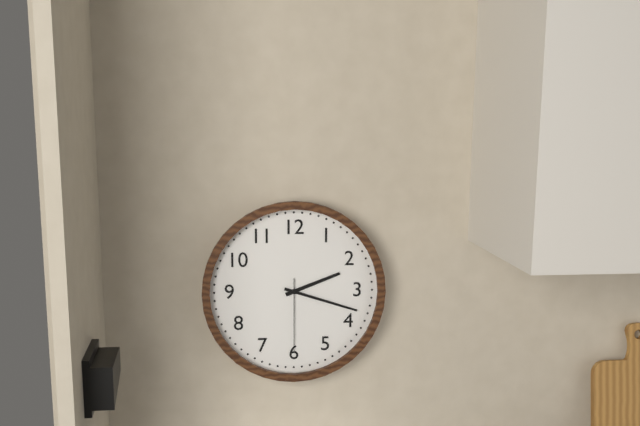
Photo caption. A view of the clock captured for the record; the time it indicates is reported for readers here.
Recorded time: 2:18:30
